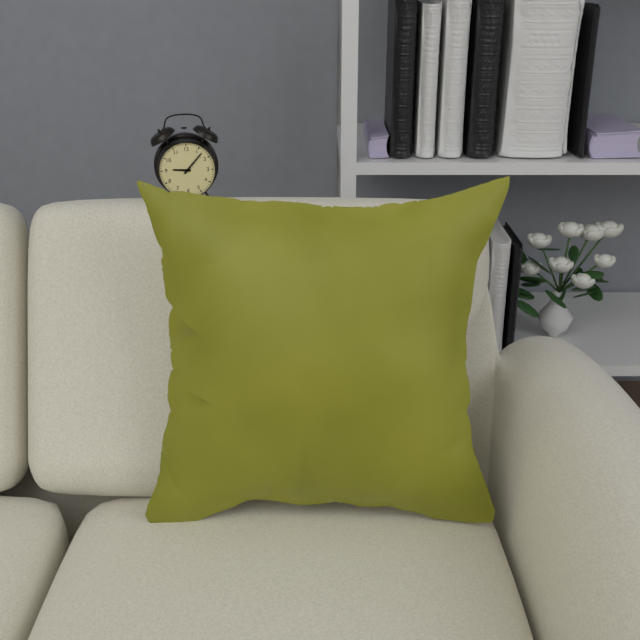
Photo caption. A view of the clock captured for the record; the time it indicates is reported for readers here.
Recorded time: 9:07
